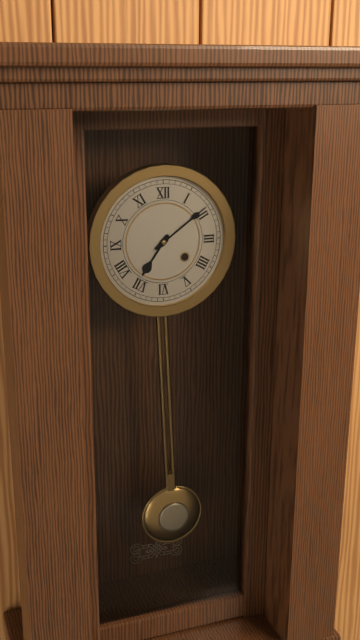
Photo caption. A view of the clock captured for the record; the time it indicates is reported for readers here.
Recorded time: 7:09
